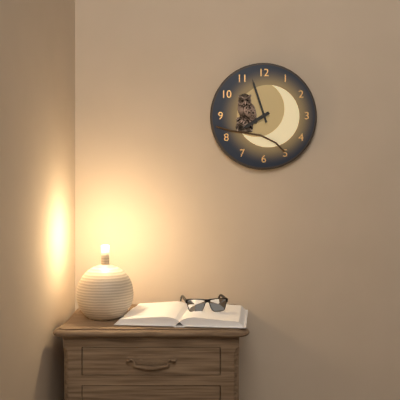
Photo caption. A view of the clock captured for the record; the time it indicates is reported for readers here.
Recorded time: 7:57
